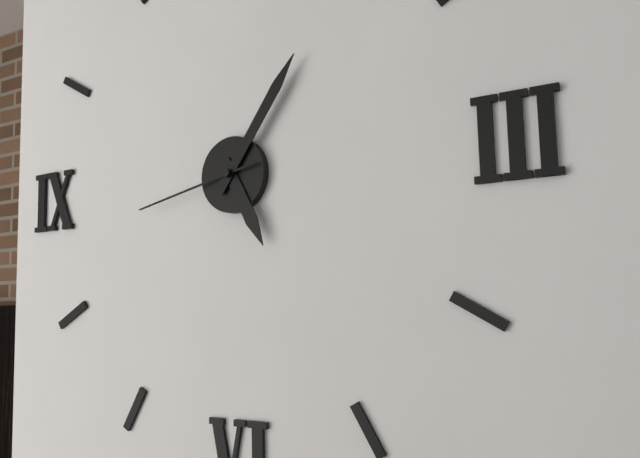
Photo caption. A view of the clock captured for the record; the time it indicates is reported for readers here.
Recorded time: 5:06:43
